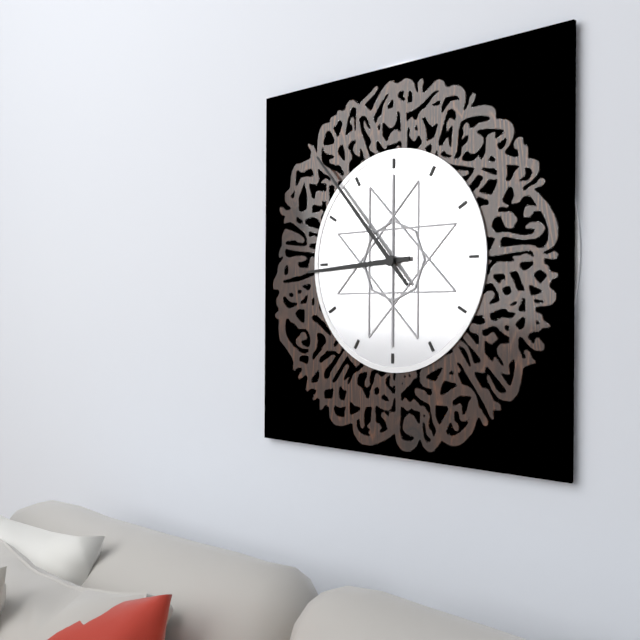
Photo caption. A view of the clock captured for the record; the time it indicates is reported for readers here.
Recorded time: 8:53
